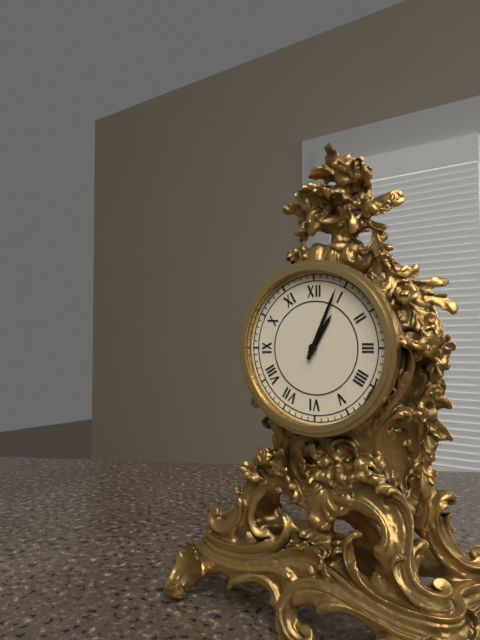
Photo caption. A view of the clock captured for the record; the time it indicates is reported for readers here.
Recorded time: 1:04
